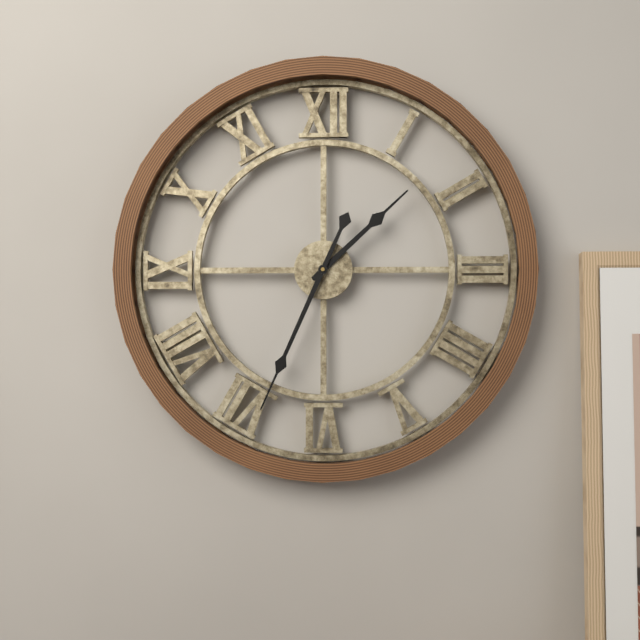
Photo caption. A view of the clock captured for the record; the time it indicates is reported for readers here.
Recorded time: 1:34
